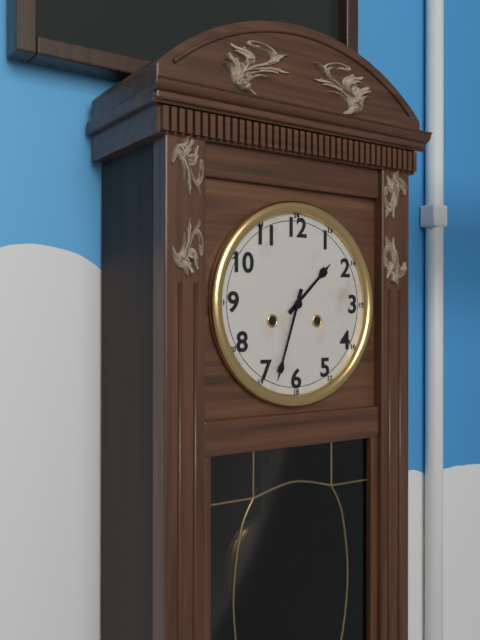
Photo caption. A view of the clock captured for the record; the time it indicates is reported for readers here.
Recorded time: 1:33
